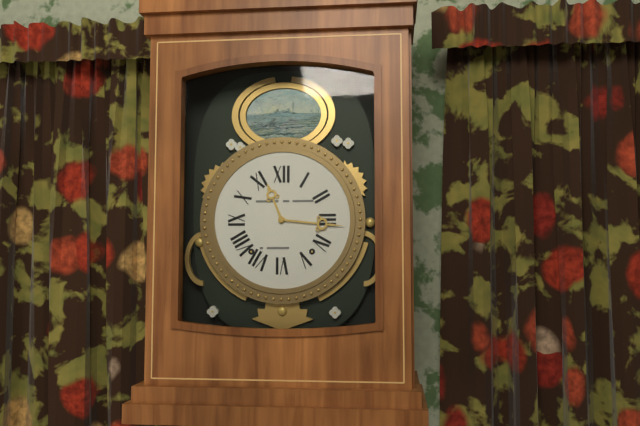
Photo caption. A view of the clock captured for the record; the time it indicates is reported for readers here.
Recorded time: 11:16
